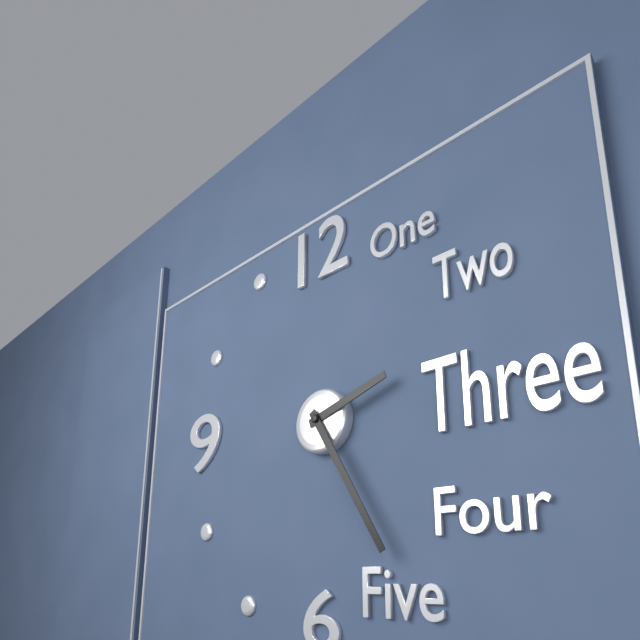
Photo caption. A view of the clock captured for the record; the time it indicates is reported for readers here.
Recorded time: 2:25
